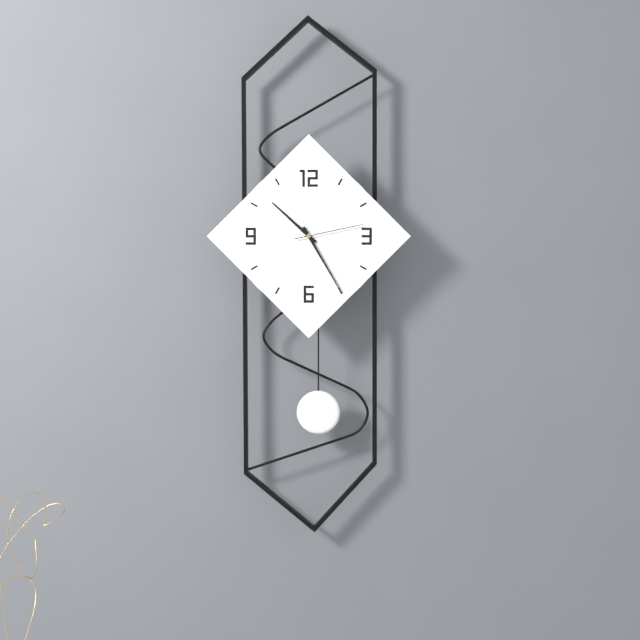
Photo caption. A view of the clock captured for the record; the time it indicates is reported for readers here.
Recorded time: 10:25:13
